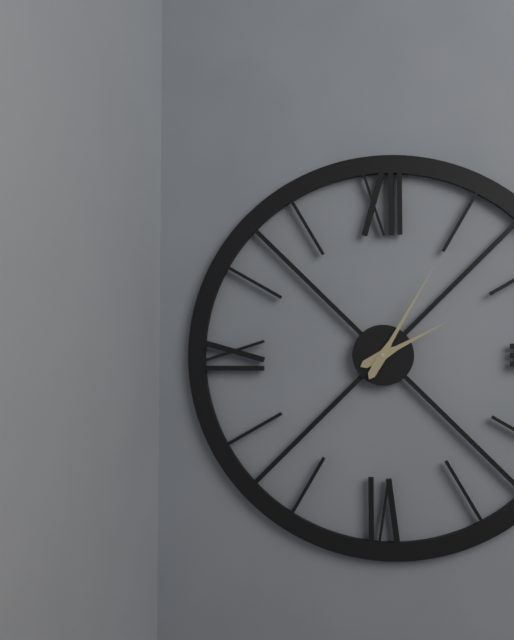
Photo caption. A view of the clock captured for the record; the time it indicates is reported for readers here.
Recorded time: 2:05
